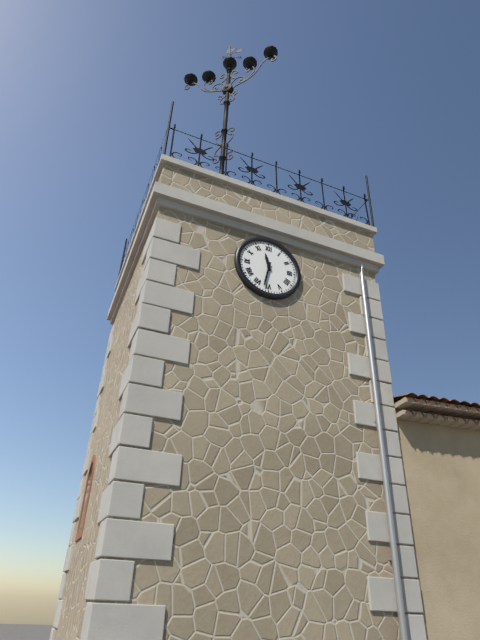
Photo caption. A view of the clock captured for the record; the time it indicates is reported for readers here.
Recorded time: 11:32
